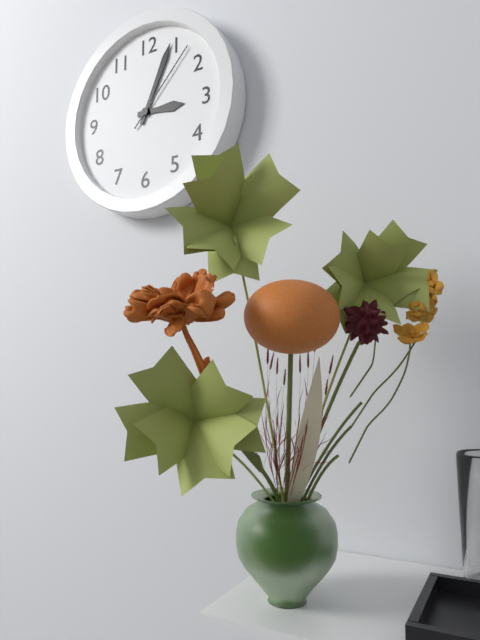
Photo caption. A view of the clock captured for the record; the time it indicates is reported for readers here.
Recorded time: 3:04:07
